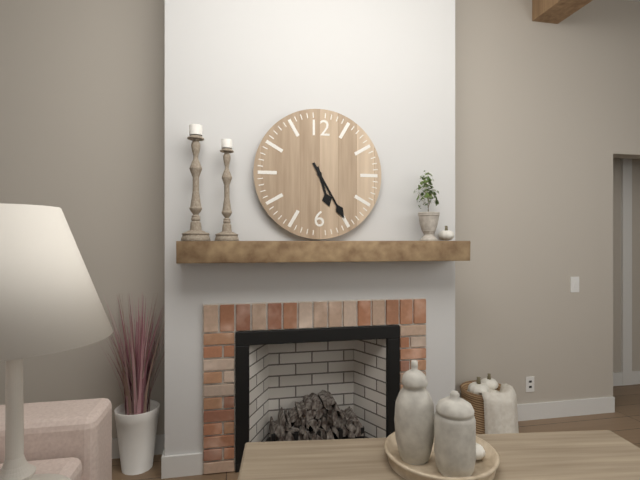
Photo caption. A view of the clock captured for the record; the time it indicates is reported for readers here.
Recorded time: 5:25
